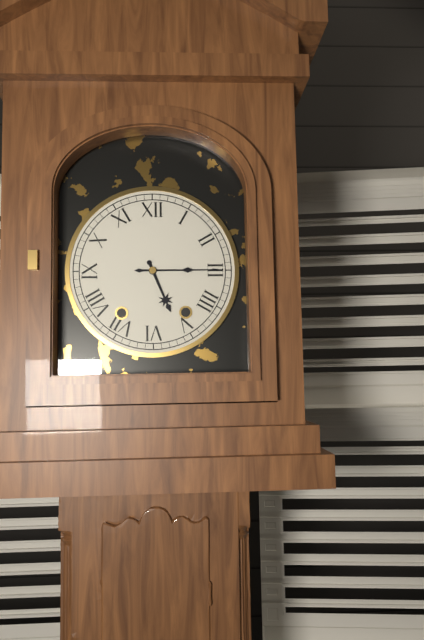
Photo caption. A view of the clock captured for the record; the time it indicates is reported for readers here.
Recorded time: 5:15
